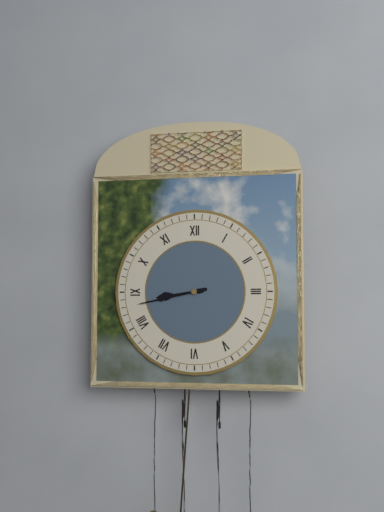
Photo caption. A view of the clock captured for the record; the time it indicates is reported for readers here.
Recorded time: 8:43
